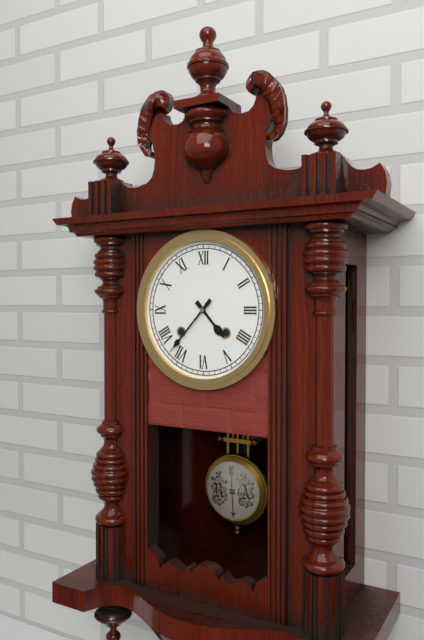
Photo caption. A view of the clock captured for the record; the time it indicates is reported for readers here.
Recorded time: 4:37
